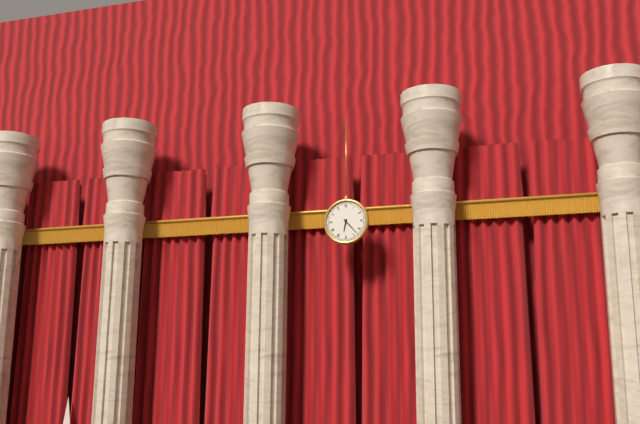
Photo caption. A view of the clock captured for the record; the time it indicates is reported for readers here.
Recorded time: 6:23
